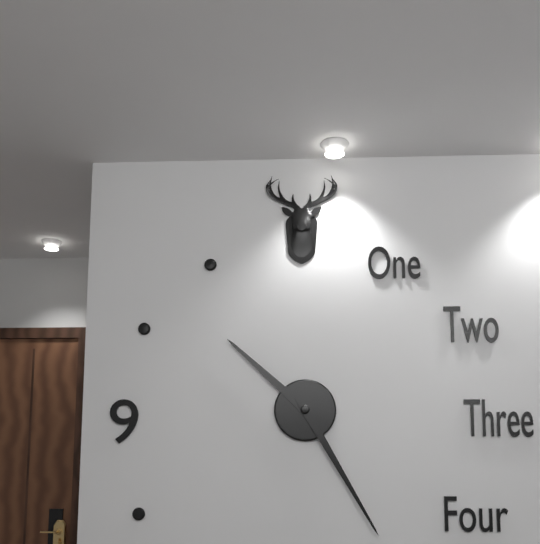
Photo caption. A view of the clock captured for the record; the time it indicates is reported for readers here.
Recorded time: 10:25
